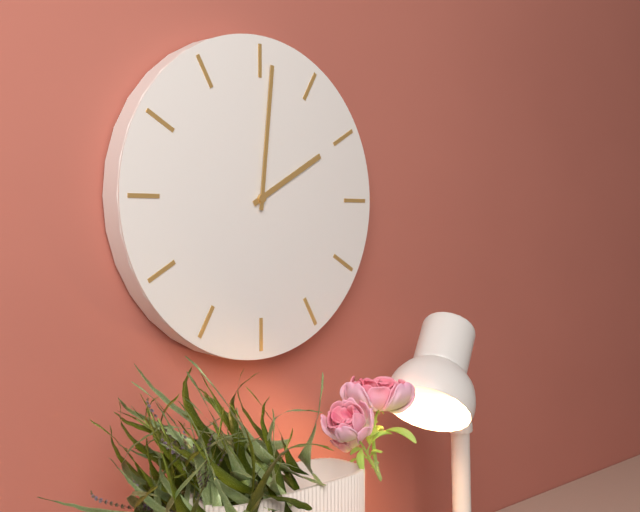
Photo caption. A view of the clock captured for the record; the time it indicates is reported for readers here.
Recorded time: 2:01
